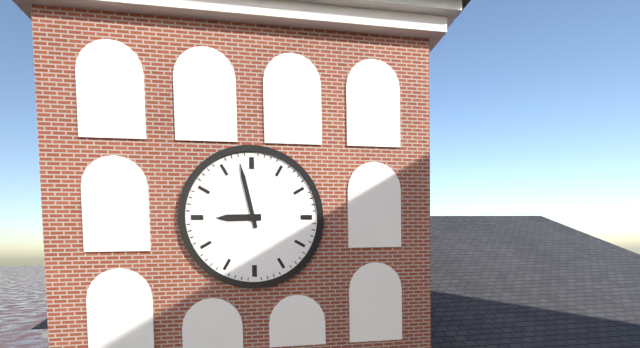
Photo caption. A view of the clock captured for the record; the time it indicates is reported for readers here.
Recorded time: 8:58
